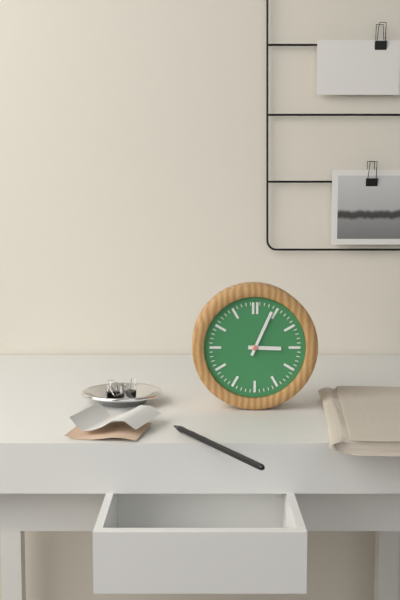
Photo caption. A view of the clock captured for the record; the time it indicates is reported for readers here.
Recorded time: 3:04
